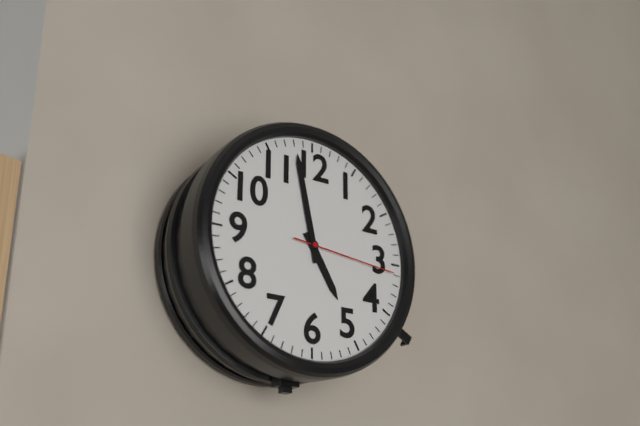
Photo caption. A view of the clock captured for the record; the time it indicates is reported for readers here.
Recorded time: 4:58:16
